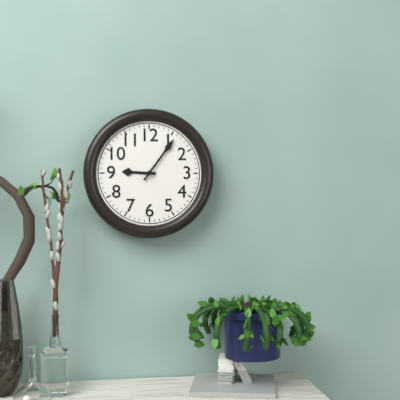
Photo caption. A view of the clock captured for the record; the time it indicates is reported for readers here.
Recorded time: 9:06
